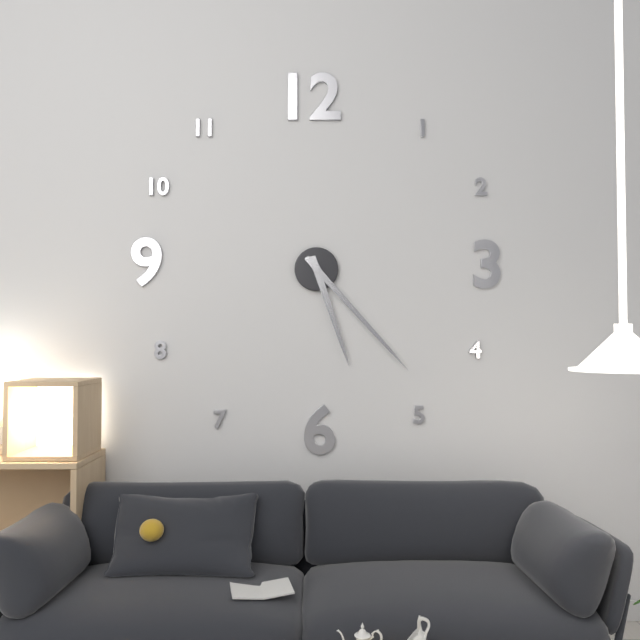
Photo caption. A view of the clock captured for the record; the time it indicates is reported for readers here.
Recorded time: 5:23
